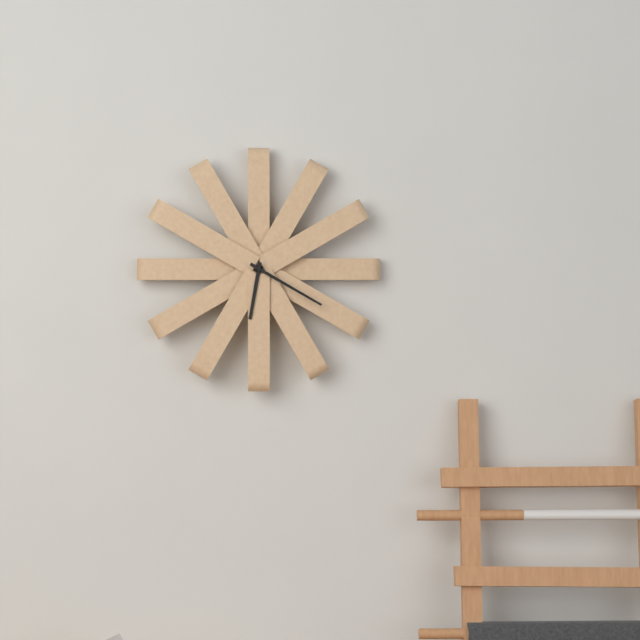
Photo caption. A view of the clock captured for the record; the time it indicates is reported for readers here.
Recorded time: 6:20
